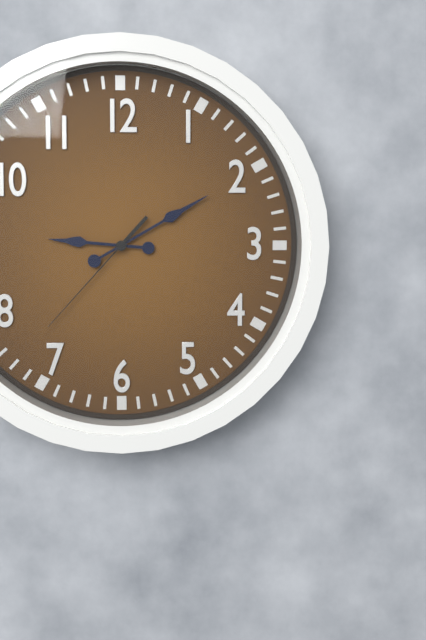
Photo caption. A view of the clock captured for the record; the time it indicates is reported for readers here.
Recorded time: 9:10:37
